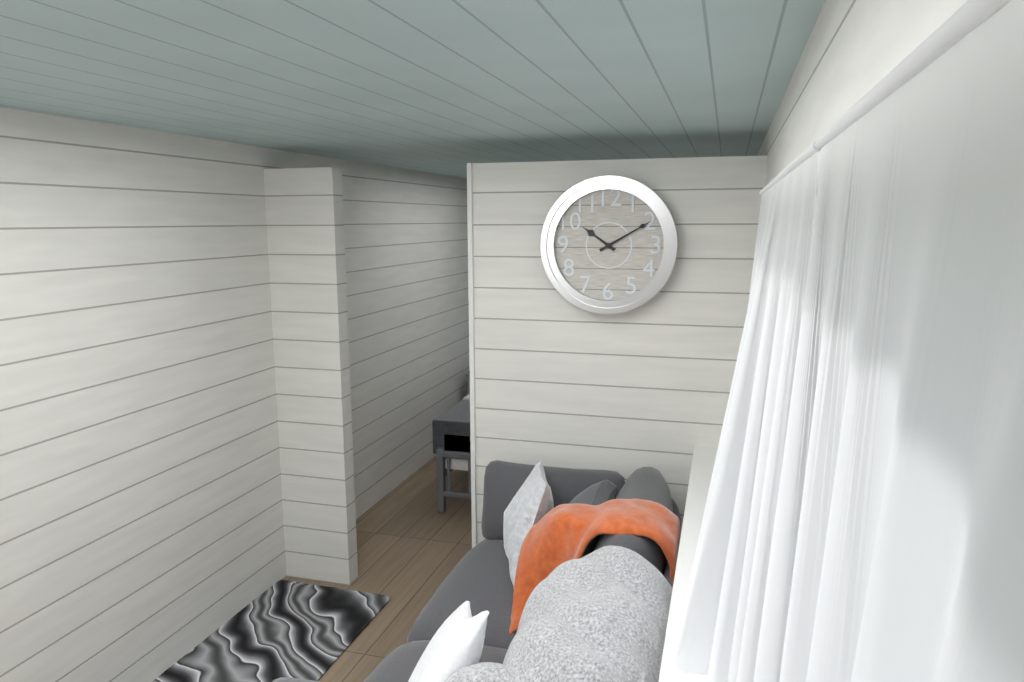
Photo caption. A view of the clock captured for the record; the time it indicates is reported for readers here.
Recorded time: 10:10
